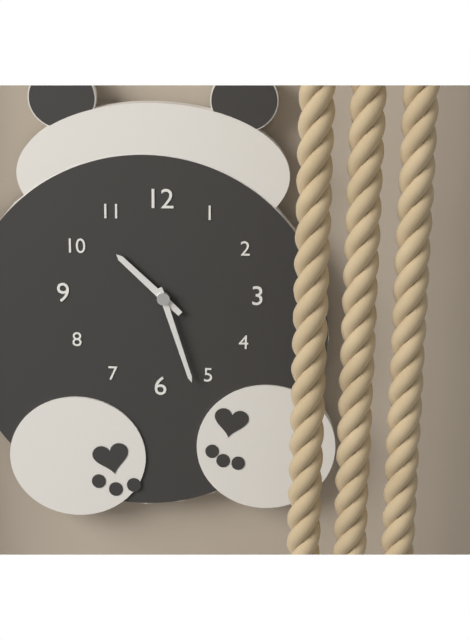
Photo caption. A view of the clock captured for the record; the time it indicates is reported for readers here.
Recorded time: 10:27
